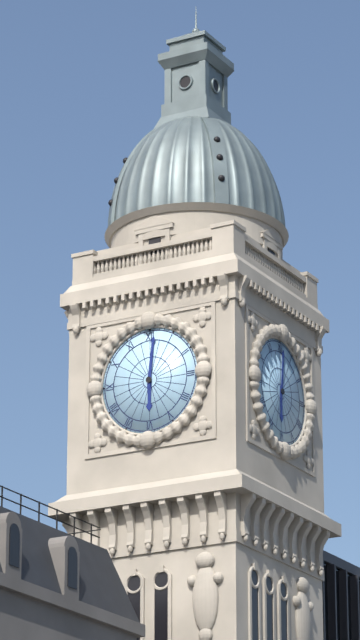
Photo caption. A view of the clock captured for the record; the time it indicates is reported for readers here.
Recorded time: 6:01
